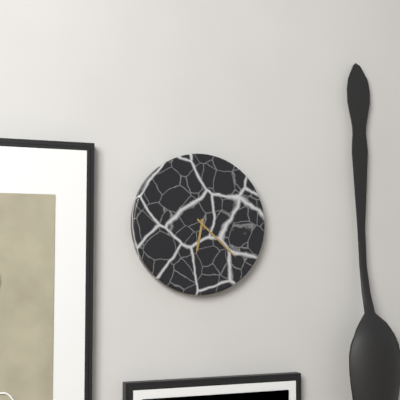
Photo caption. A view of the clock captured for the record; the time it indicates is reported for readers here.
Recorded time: 6:22
